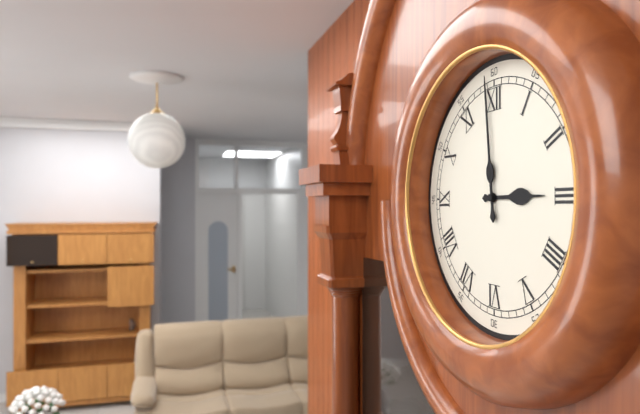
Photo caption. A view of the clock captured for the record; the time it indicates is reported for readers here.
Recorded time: 2:59
